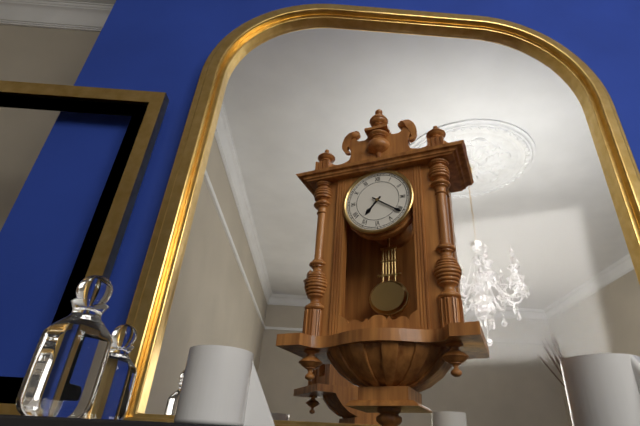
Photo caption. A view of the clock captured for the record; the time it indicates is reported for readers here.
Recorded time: 7:21
